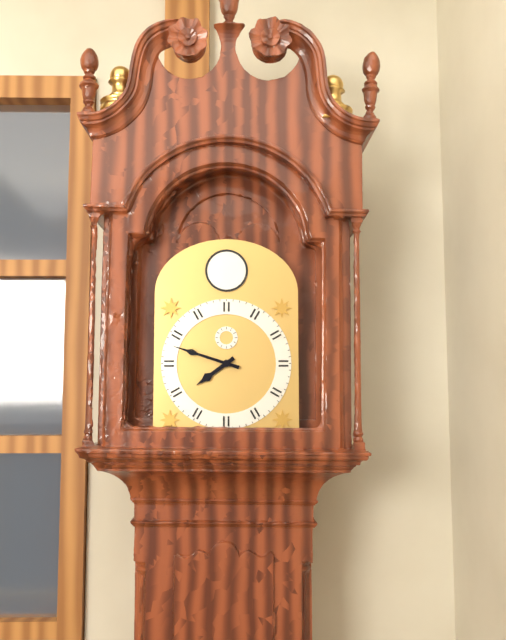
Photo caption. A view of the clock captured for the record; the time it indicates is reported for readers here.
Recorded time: 7:48
